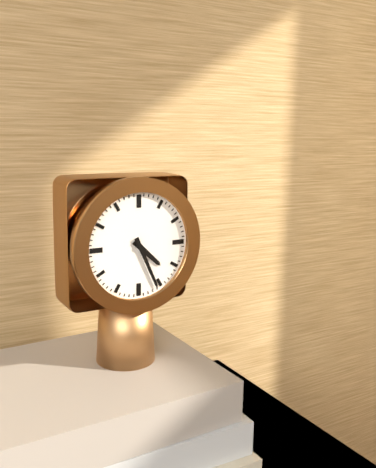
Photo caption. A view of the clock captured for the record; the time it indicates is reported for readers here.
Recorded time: 4:26
